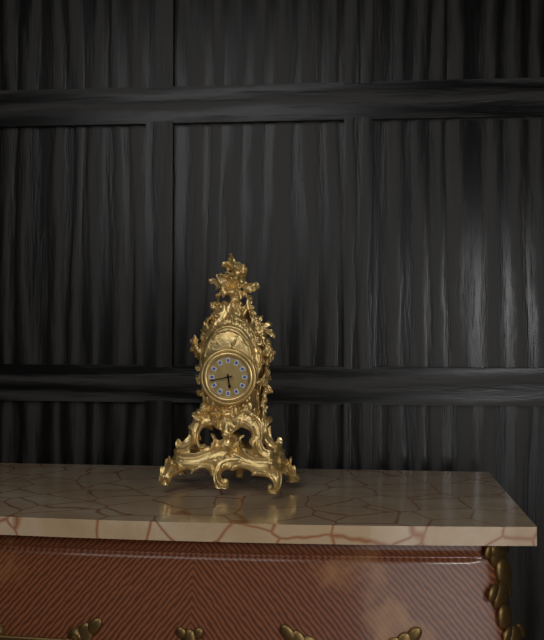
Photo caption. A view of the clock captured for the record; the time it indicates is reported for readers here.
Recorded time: 5:43
